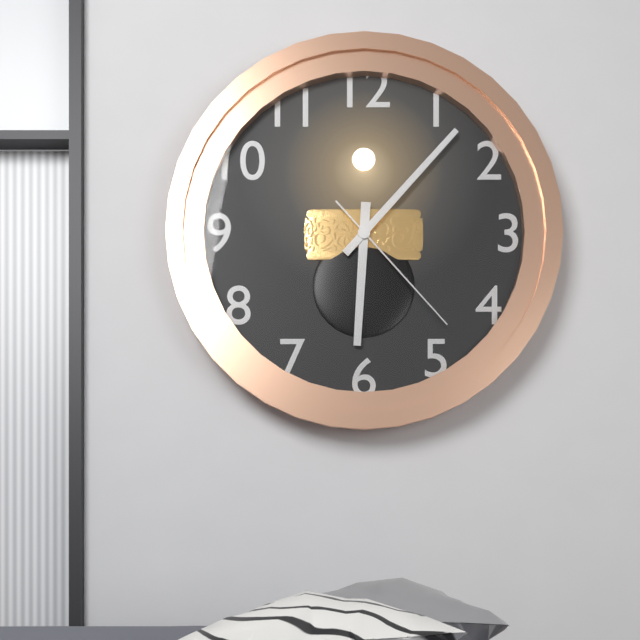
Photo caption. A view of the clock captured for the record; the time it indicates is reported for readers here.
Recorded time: 6:07:23
